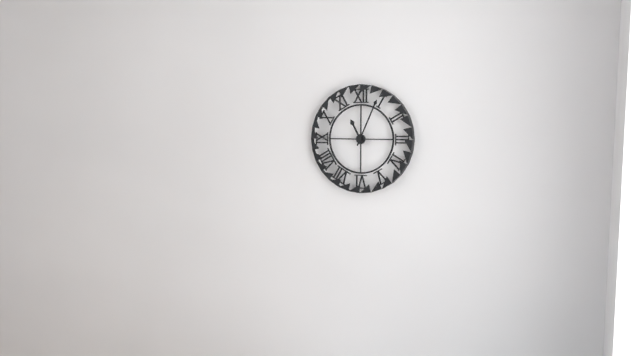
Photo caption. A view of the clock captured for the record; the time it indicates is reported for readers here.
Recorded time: 11:04
